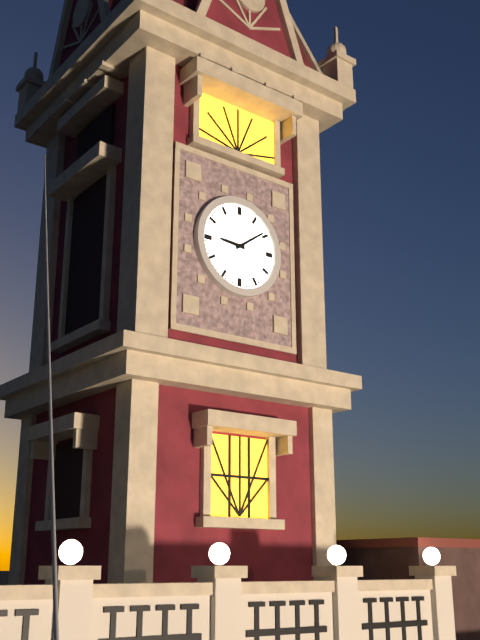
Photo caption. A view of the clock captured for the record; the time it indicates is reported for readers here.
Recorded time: 9:09
